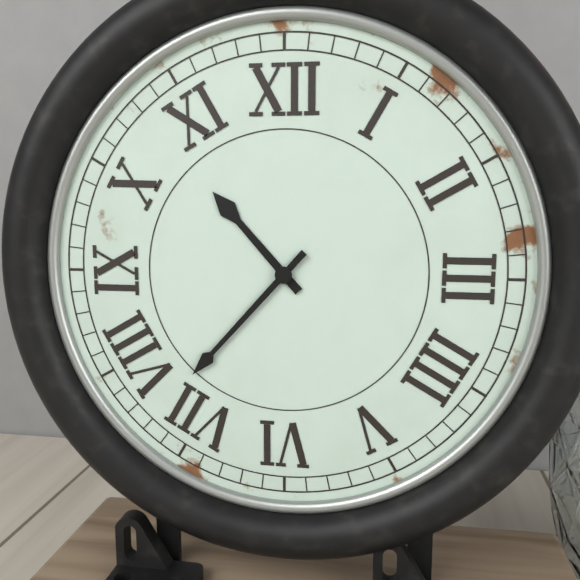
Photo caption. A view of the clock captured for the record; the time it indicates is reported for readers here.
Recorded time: 10:37
